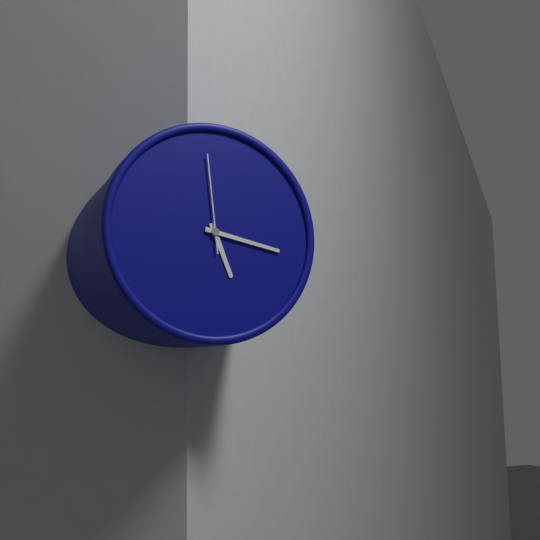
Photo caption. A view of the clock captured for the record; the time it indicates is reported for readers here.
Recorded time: 5:17:59
